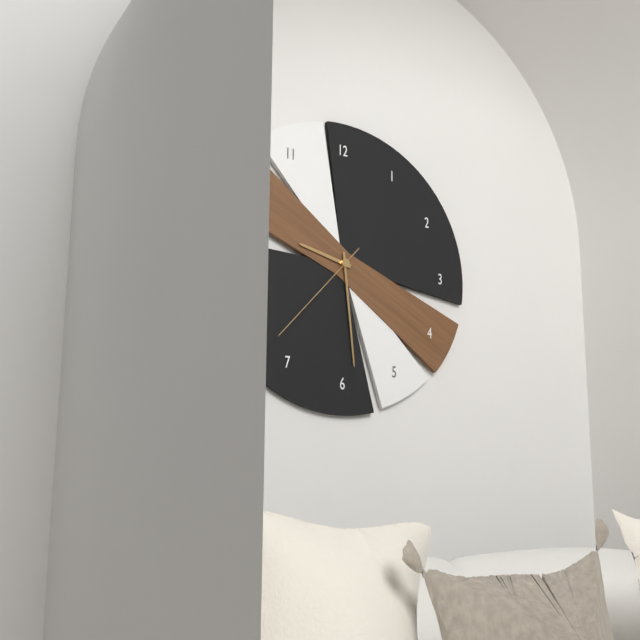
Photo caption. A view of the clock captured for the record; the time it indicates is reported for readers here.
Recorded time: 9:29:37
